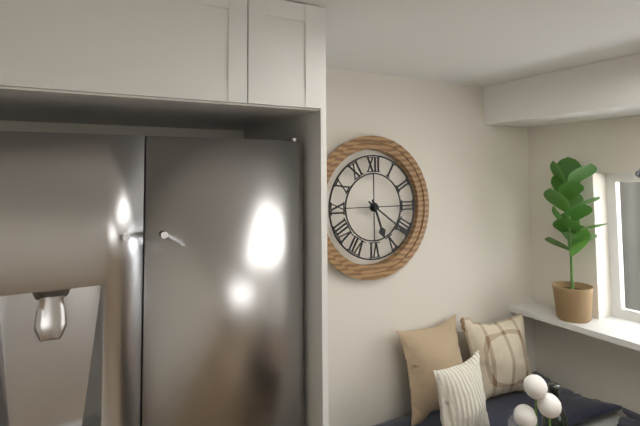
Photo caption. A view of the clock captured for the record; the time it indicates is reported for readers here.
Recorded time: 5:21
